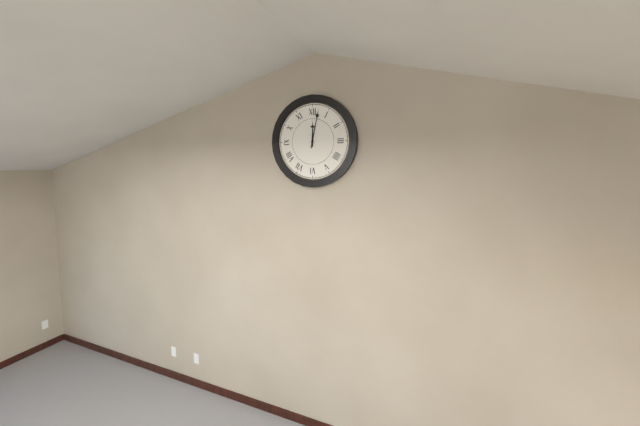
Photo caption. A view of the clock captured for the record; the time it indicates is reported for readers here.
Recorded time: 12:02
